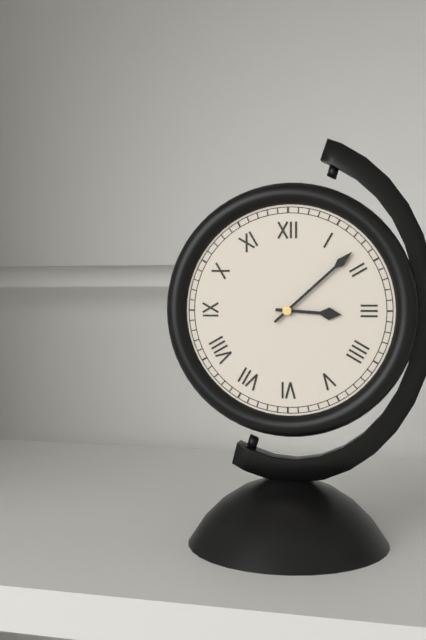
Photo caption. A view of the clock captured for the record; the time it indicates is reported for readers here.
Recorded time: 3:08
